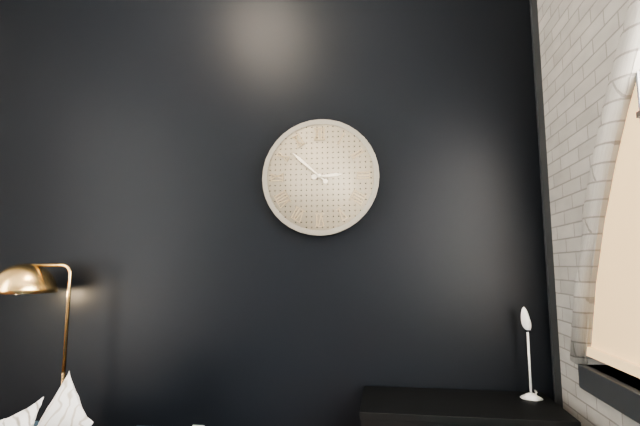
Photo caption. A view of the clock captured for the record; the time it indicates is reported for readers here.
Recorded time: 2:52
